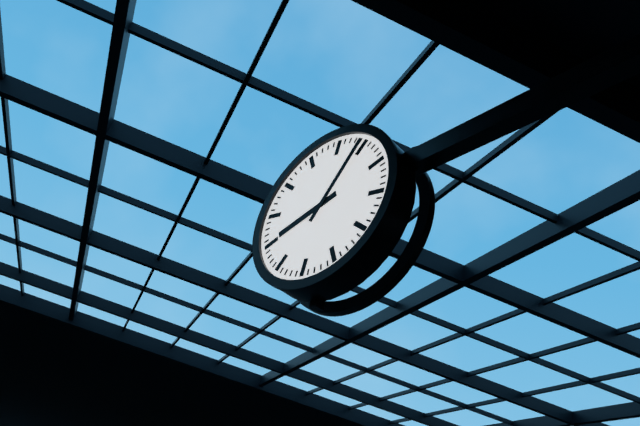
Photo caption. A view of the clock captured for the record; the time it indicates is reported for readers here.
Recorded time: 8:04
